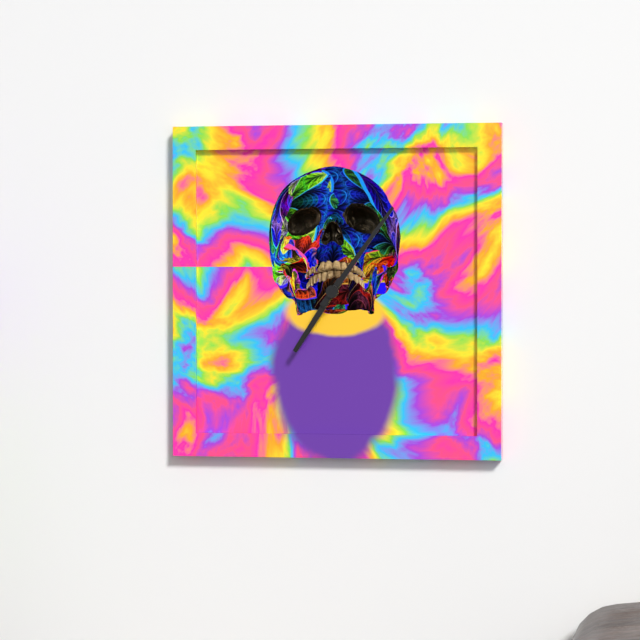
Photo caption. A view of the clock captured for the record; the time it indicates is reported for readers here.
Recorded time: 7:06
